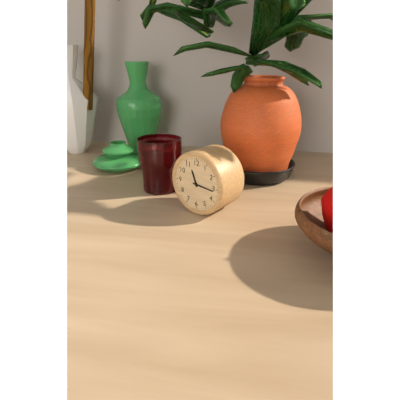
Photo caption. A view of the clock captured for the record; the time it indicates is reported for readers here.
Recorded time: 11:16
